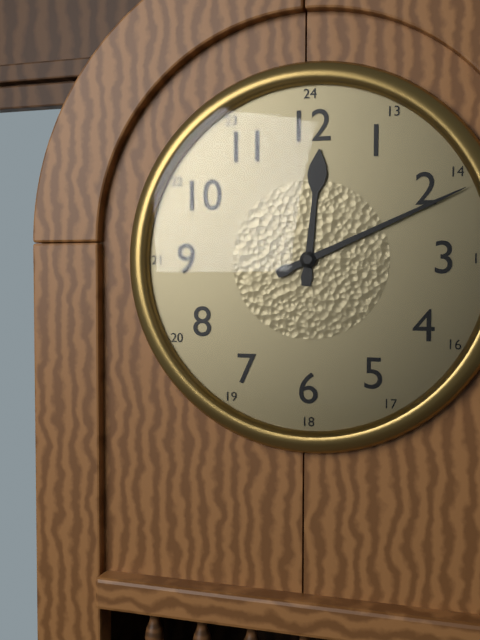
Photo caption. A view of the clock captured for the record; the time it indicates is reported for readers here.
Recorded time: 12:11
